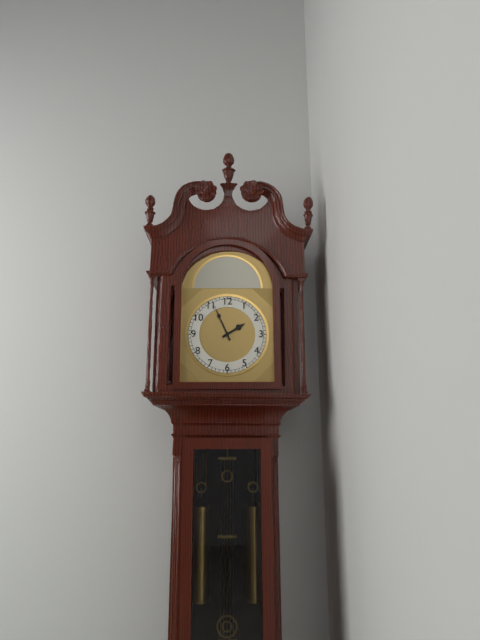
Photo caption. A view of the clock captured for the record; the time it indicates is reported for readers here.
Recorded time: 1:56
